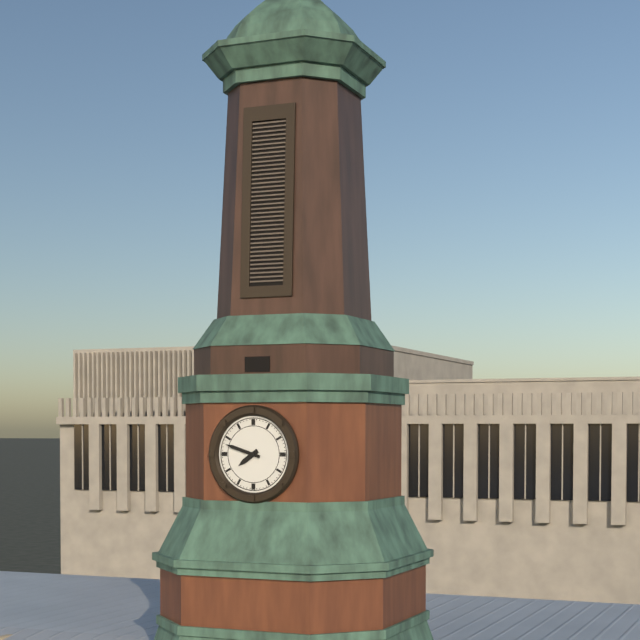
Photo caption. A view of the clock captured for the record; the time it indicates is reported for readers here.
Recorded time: 7:48
